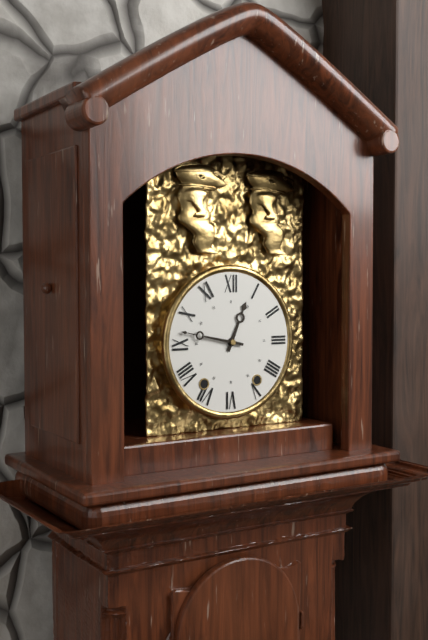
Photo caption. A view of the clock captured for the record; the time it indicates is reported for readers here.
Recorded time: 12:47
